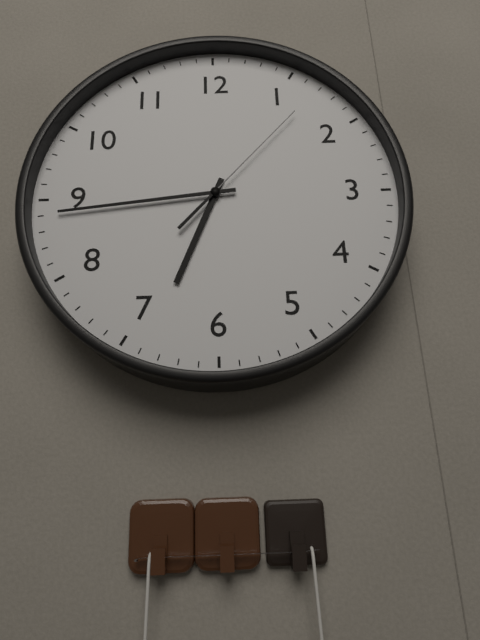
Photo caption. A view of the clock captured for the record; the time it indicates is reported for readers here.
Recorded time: 6:44:07
